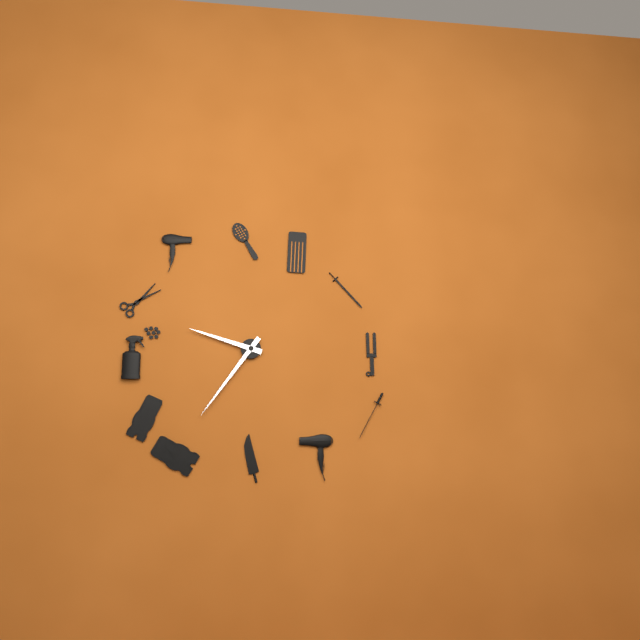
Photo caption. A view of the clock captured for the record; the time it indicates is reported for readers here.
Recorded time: 9:36
